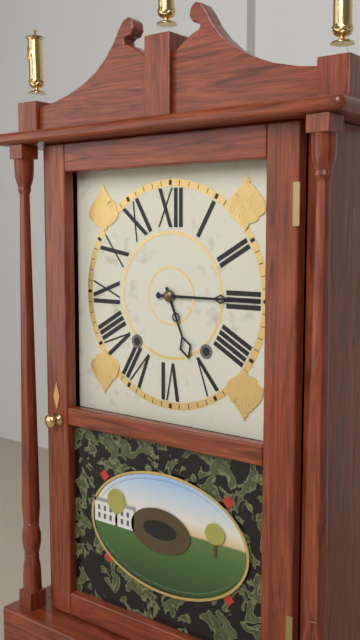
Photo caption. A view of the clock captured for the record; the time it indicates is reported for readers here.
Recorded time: 5:15
